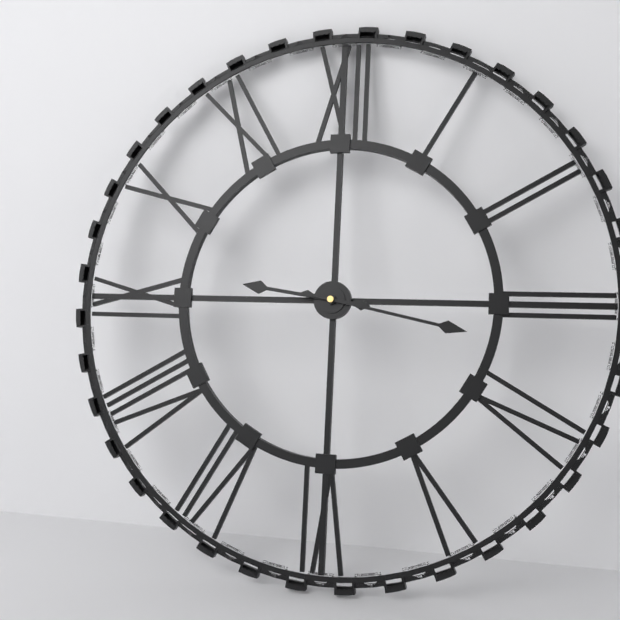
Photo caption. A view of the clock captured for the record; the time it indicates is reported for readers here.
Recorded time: 9:17
